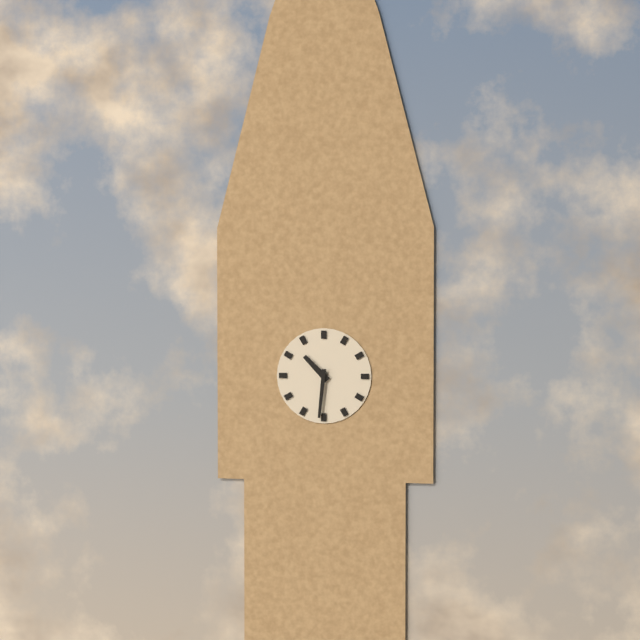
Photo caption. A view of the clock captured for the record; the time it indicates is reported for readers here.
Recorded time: 10:31
